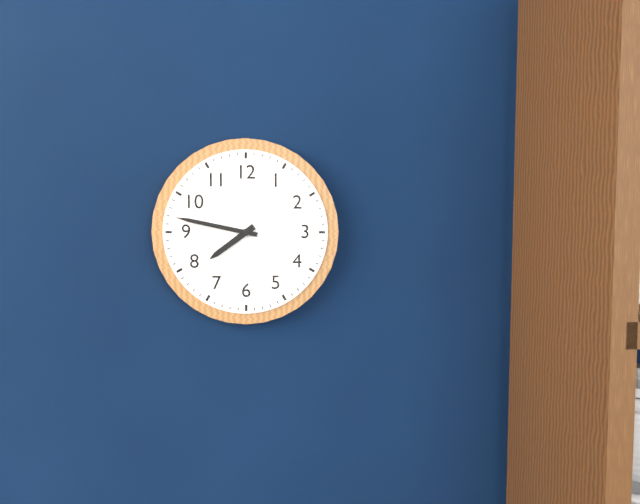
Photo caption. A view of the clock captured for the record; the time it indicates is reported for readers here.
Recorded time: 7:47
